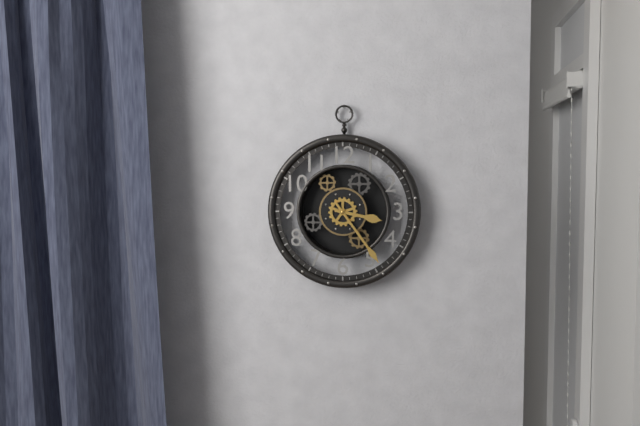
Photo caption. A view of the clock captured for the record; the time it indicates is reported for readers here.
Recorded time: 3:24
